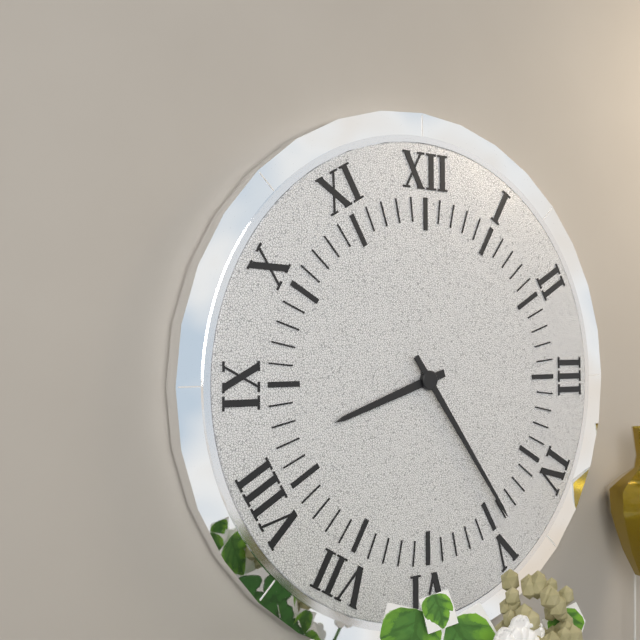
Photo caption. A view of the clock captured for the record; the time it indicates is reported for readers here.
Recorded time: 8:24
